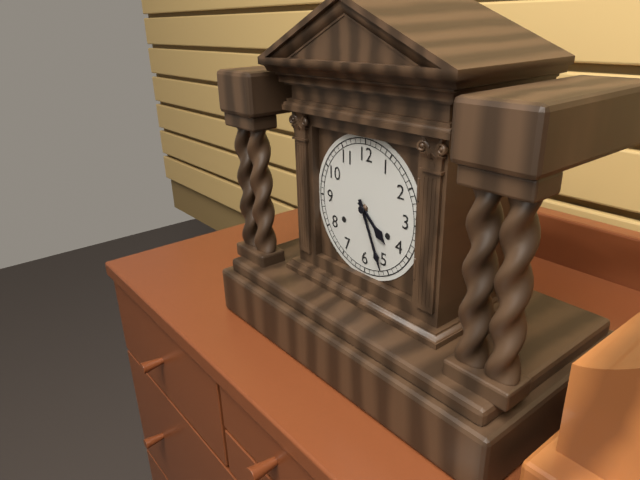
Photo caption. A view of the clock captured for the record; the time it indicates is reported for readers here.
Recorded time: 4:26
